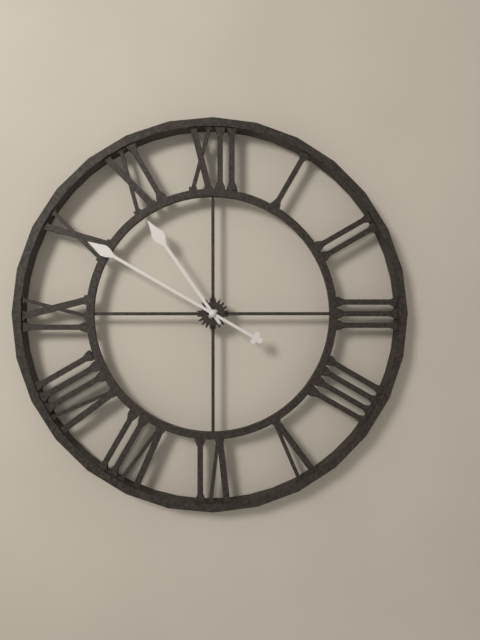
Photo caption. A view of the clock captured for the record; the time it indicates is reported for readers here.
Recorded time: 10:50
